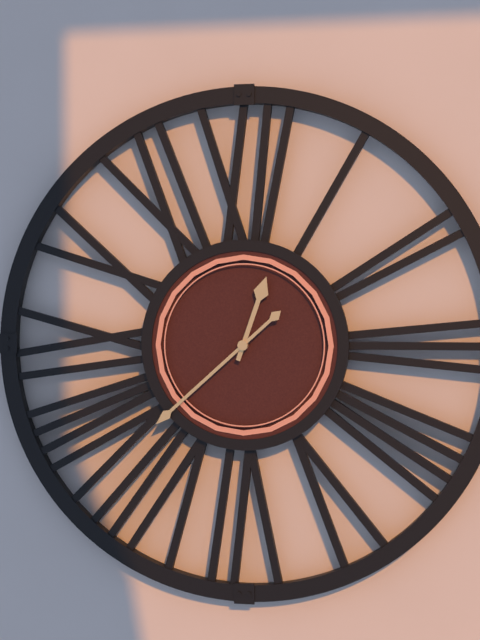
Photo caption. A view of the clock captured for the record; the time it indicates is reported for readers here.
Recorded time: 12:38
